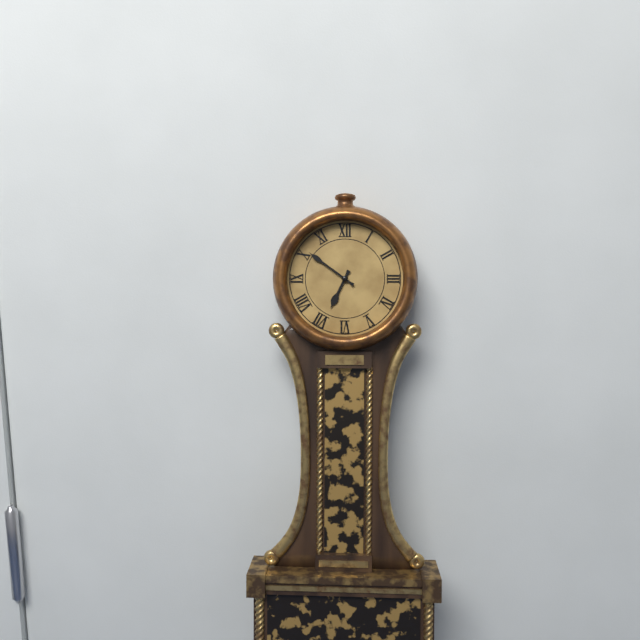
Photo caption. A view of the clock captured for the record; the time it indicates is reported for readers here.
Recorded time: 6:51
